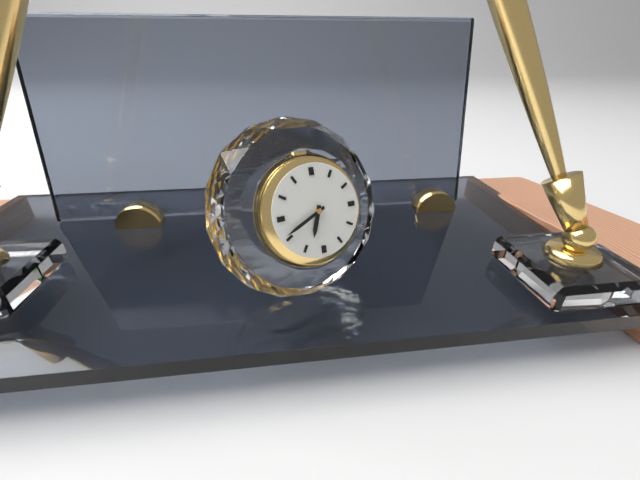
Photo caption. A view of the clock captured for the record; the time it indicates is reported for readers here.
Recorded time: 6:41
